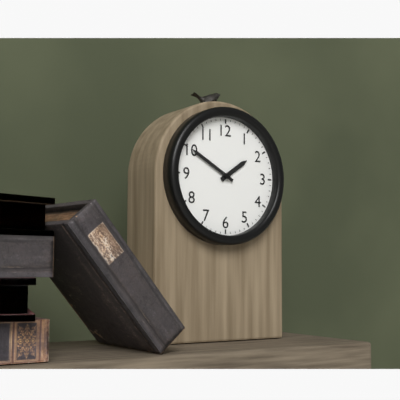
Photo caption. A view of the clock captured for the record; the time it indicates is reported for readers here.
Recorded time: 1:50
